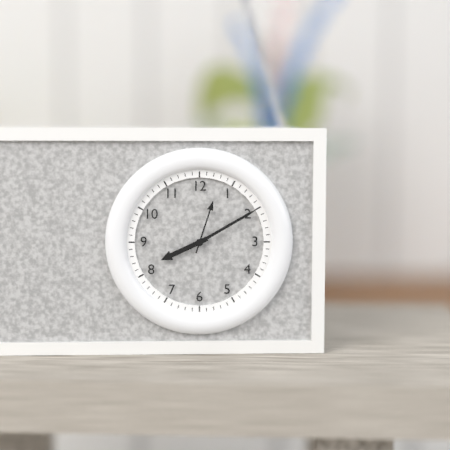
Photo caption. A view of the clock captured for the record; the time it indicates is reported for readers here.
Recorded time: 8:10:03
